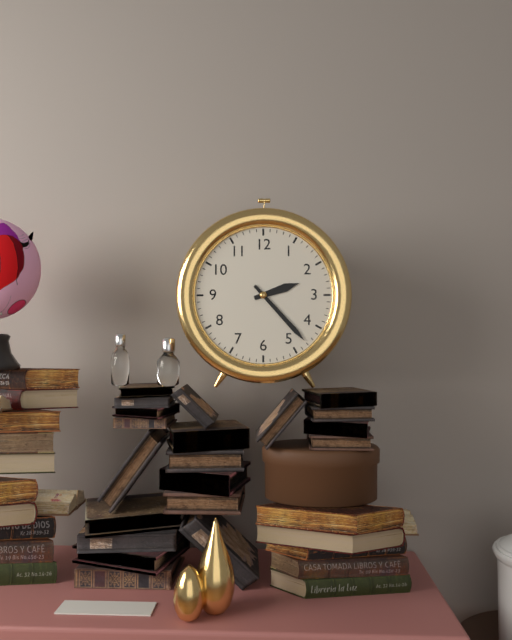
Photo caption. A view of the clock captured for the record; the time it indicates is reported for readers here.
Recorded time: 2:23
